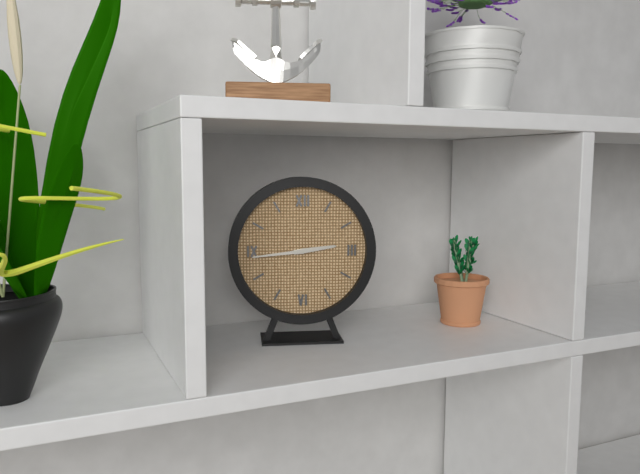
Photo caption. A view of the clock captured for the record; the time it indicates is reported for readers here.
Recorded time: 2:44
